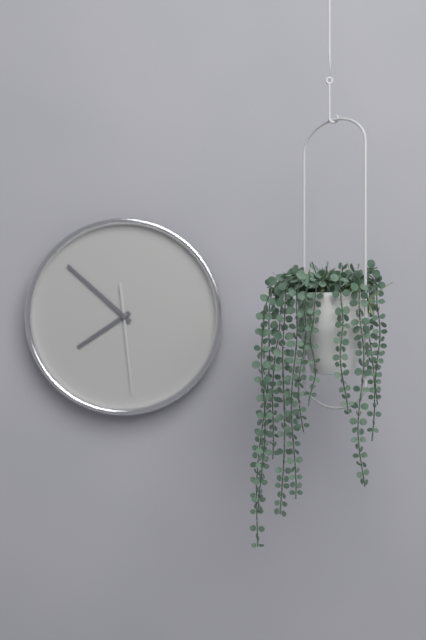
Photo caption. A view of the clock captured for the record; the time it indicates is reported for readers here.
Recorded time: 7:52:29
